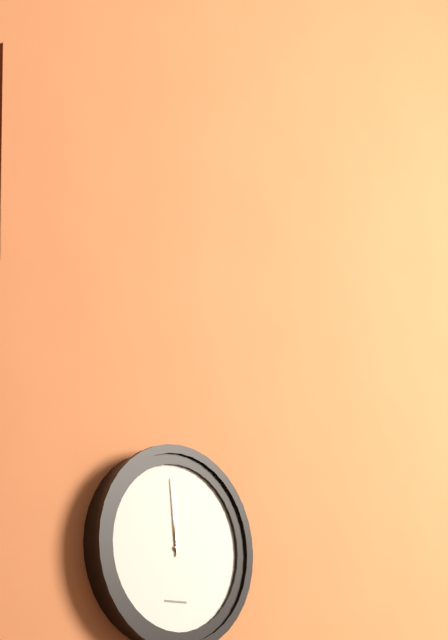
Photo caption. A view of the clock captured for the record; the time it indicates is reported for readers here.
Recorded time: 11:59
